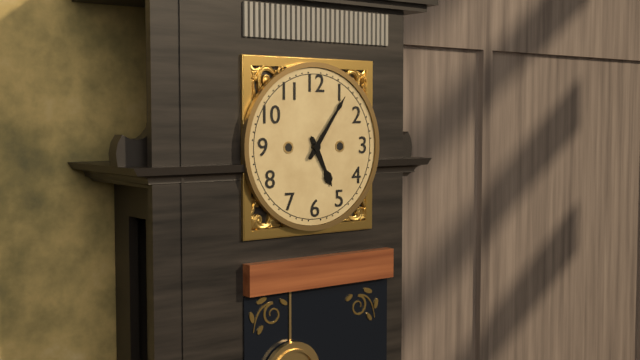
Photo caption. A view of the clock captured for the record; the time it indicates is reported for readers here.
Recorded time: 5:06
